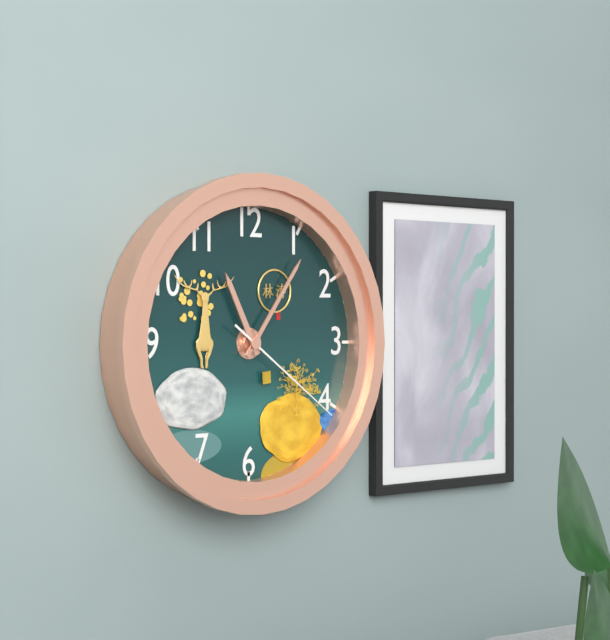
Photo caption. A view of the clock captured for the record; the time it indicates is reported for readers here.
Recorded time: 11:06:21
